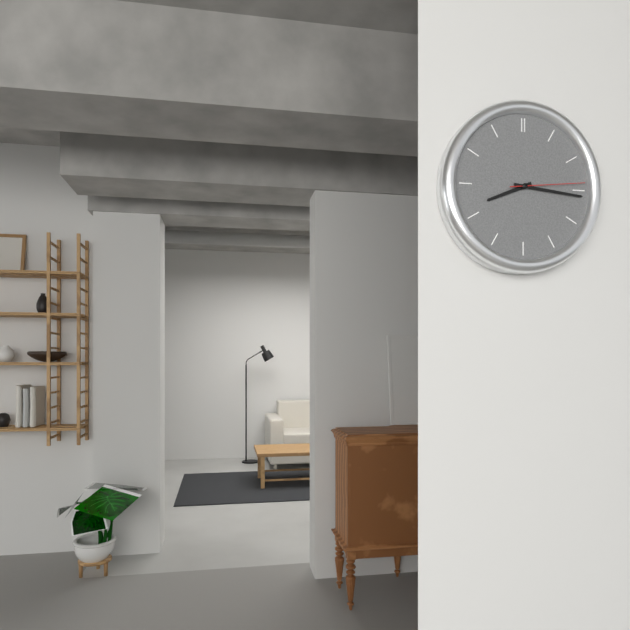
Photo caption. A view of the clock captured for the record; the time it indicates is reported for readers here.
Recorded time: 8:16:14
